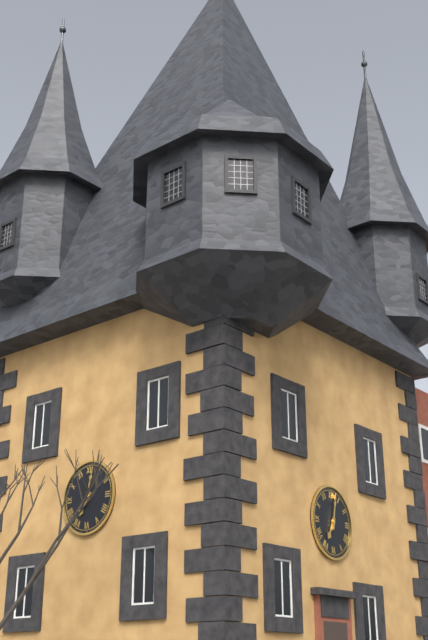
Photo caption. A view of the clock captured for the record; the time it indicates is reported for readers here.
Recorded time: 7:02
